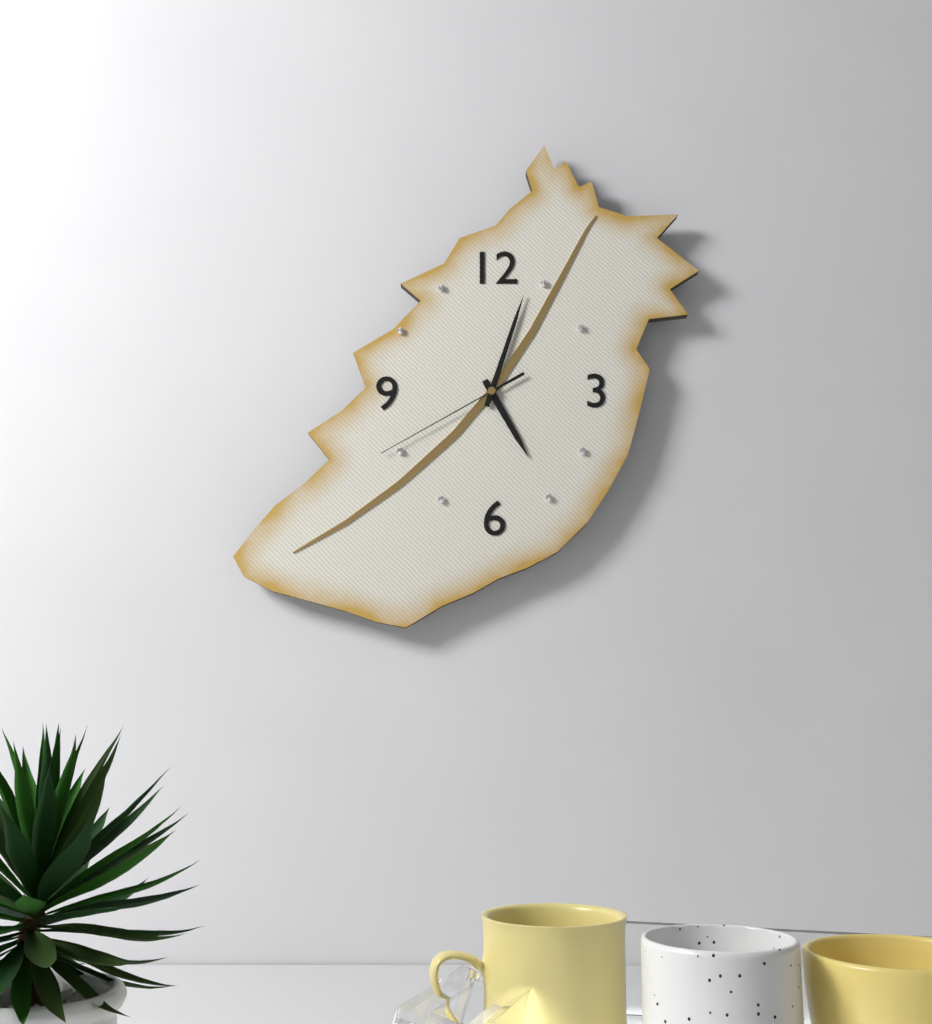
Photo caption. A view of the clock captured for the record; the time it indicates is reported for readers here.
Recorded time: 5:03:40
